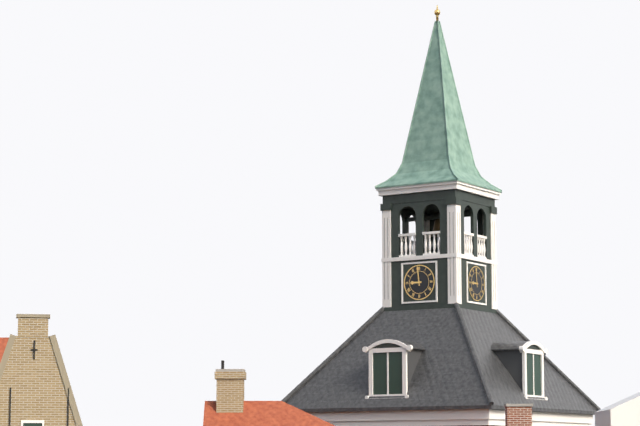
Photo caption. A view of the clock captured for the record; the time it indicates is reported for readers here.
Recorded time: 8:59
